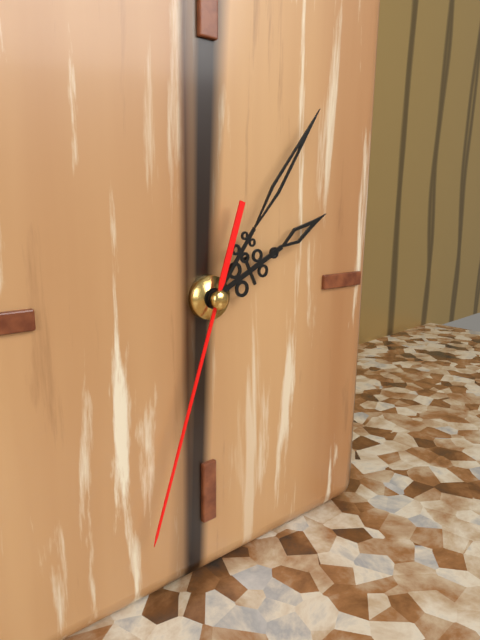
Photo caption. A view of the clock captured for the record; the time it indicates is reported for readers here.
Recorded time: 2:06:33
